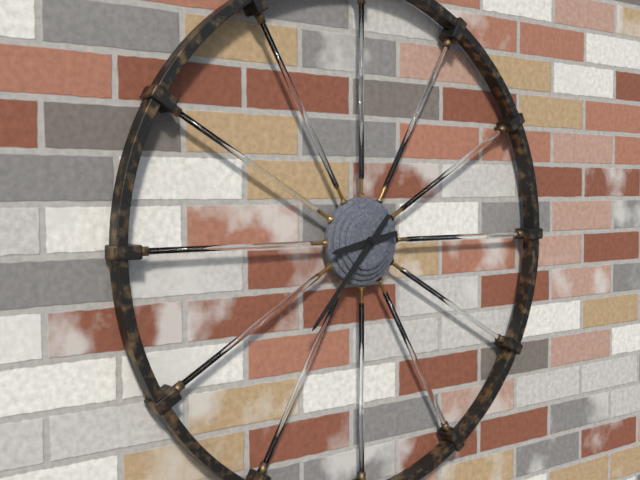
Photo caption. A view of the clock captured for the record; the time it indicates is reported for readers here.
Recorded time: 8:37
